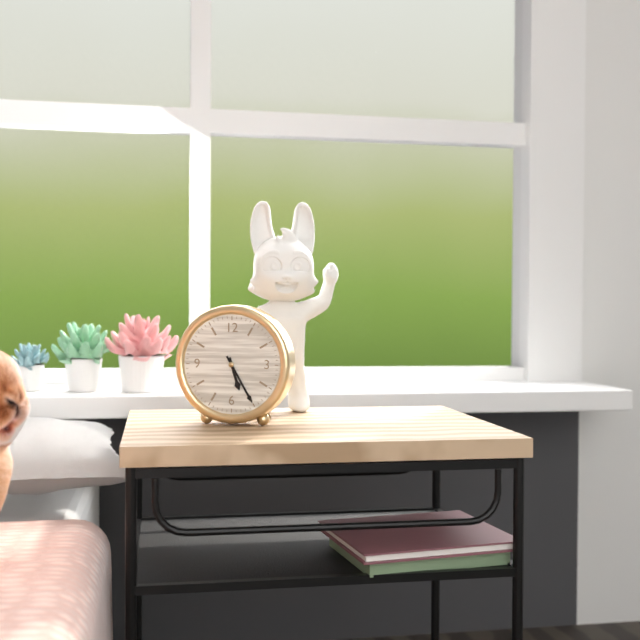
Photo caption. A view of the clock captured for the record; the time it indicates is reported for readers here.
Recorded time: 5:25
